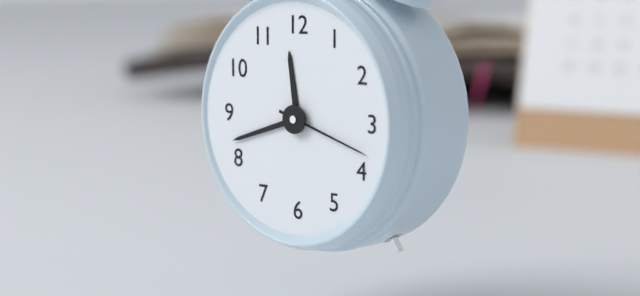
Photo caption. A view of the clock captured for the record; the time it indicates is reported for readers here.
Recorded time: 11:42:18
